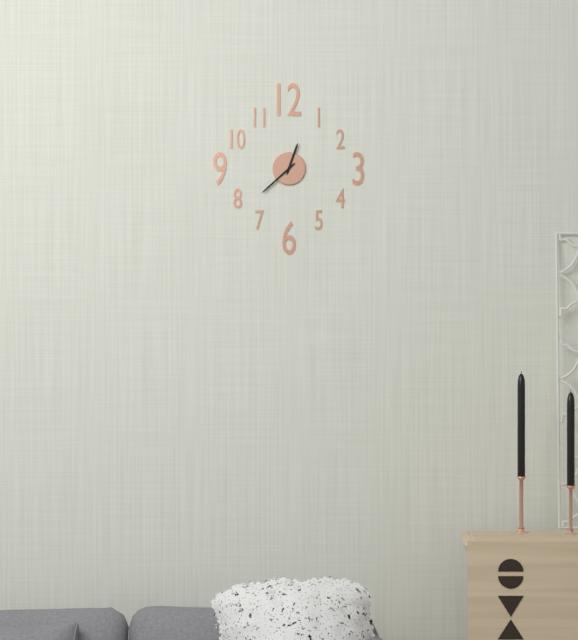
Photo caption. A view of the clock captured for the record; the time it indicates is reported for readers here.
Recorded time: 12:38
